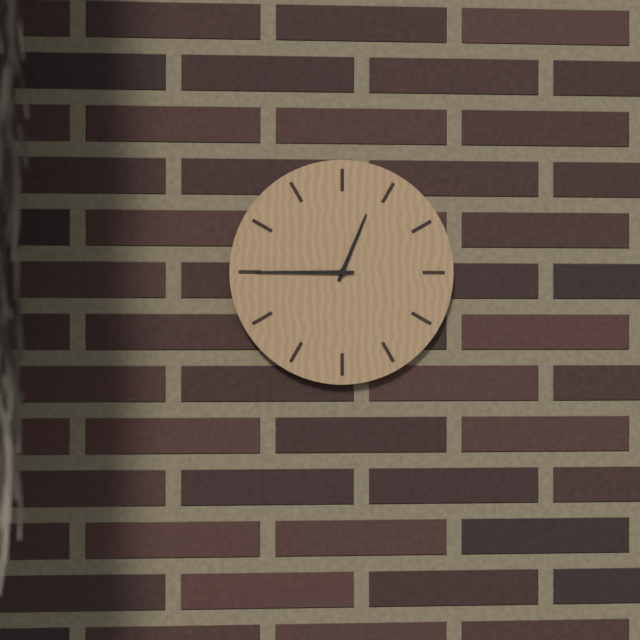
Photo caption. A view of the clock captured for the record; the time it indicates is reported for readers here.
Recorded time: 12:45
